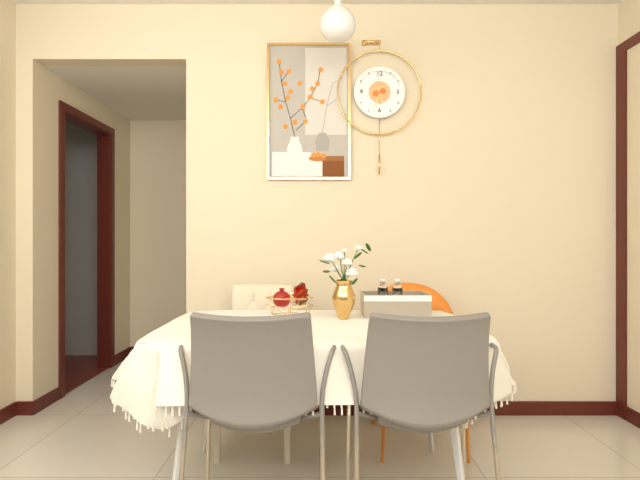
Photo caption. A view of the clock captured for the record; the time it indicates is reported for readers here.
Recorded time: 5:33
